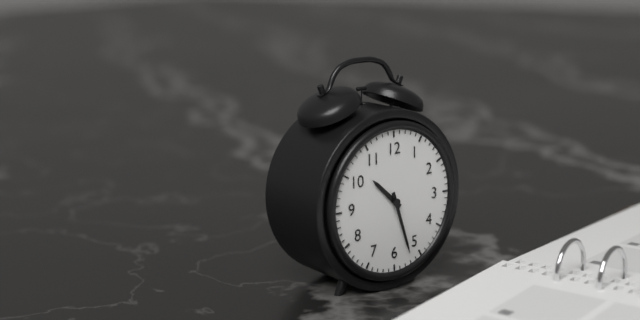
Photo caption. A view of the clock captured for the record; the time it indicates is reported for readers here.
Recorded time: 10:27
